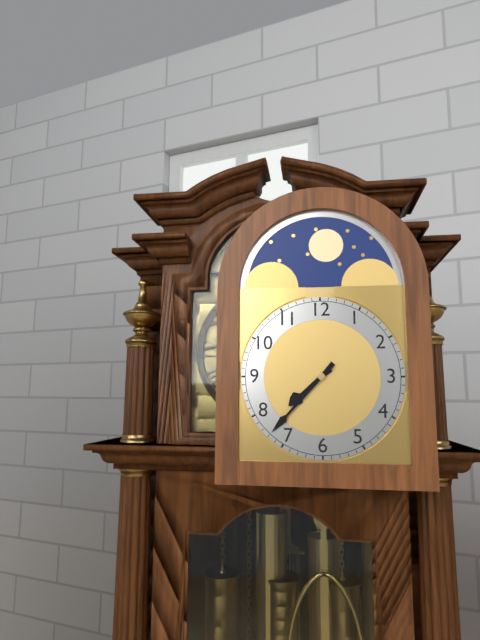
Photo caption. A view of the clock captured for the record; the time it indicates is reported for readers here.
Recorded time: 7:37
